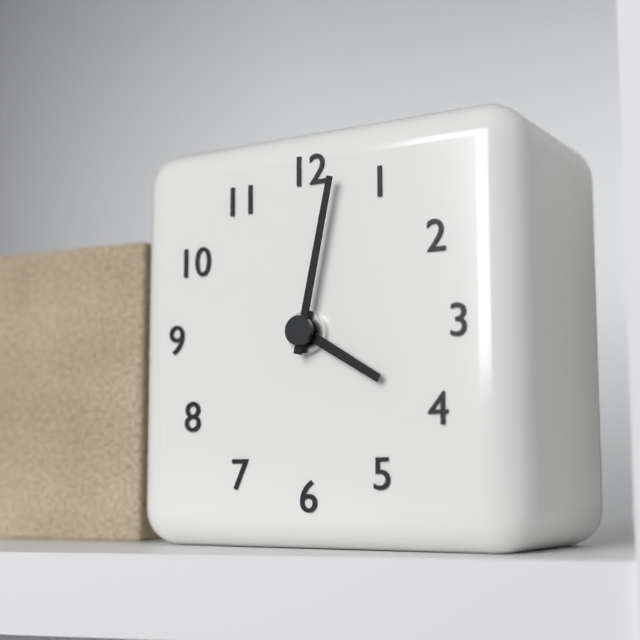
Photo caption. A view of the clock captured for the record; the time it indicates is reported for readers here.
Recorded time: 4:02
